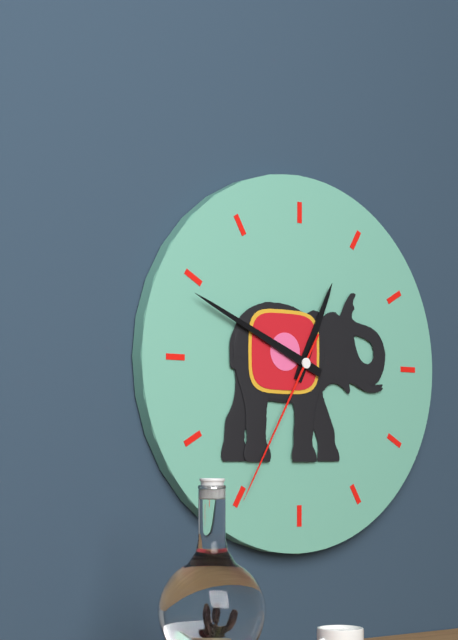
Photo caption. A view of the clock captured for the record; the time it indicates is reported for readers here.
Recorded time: 12:49:35
